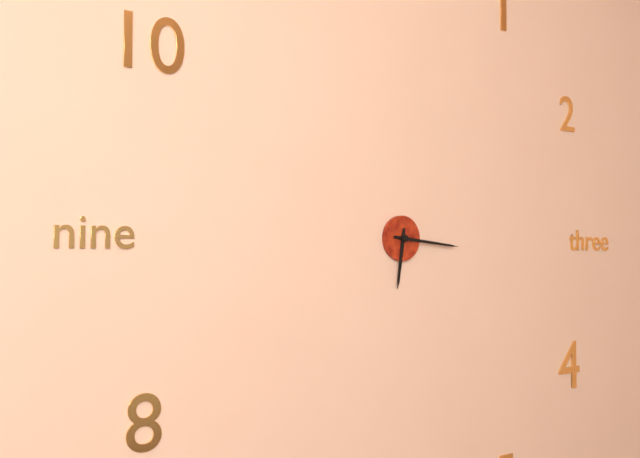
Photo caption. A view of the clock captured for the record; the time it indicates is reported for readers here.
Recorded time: 6:16
